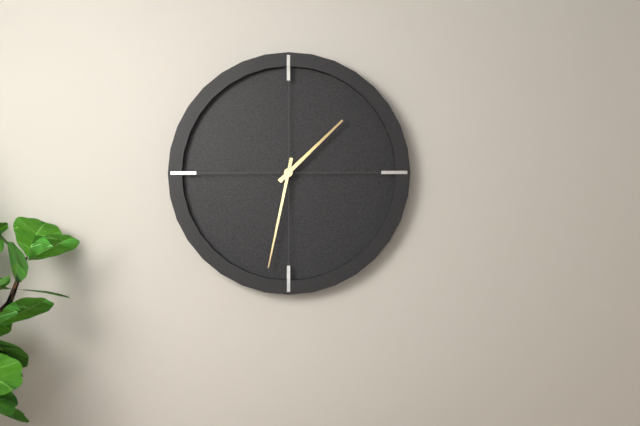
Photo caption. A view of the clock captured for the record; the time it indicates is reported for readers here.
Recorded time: 1:32
